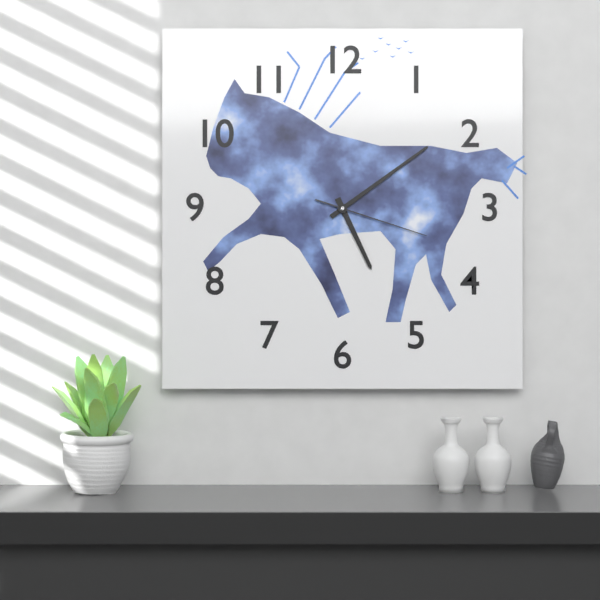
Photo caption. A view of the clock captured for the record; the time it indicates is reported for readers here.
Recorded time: 5:09:18
